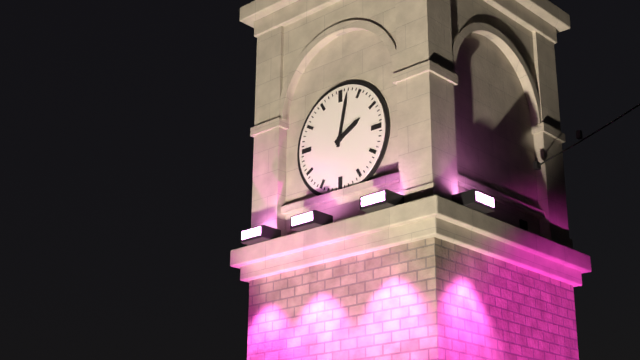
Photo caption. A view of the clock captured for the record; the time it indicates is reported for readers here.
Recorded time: 2:02
